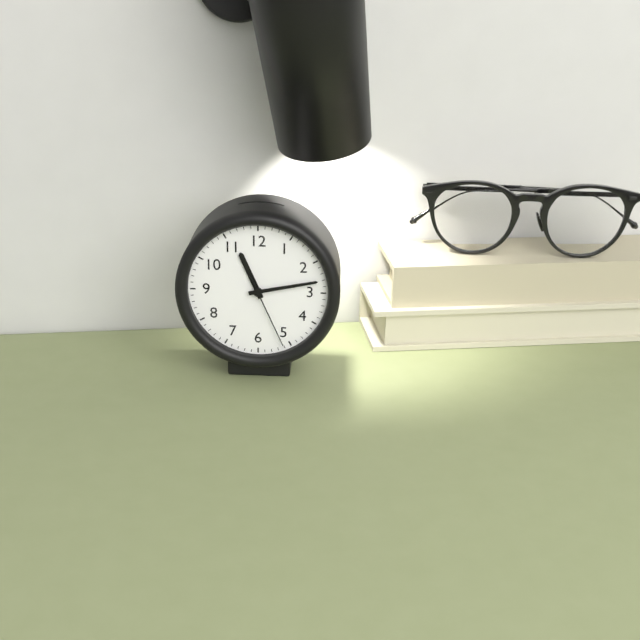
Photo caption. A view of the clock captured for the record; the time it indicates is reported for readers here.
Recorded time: 11:13:26
